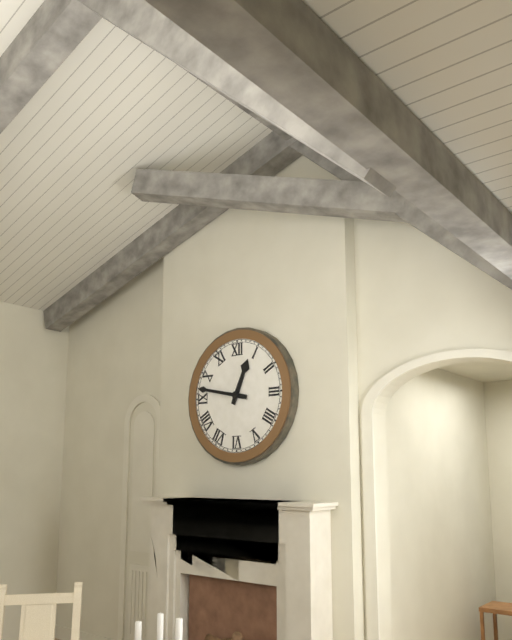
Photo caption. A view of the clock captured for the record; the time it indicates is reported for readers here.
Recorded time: 12:47
